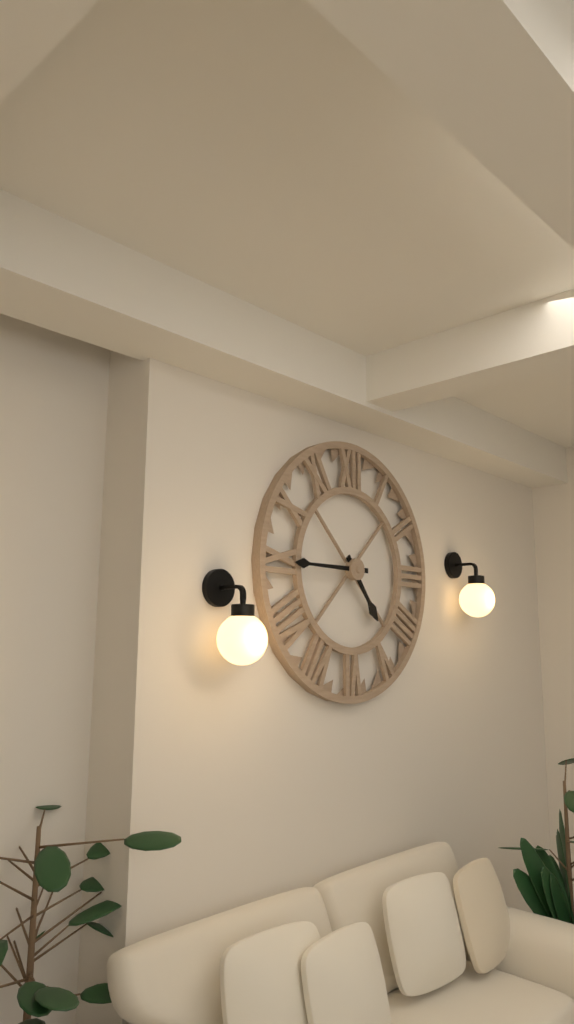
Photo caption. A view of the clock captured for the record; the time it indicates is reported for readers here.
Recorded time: 4:45
